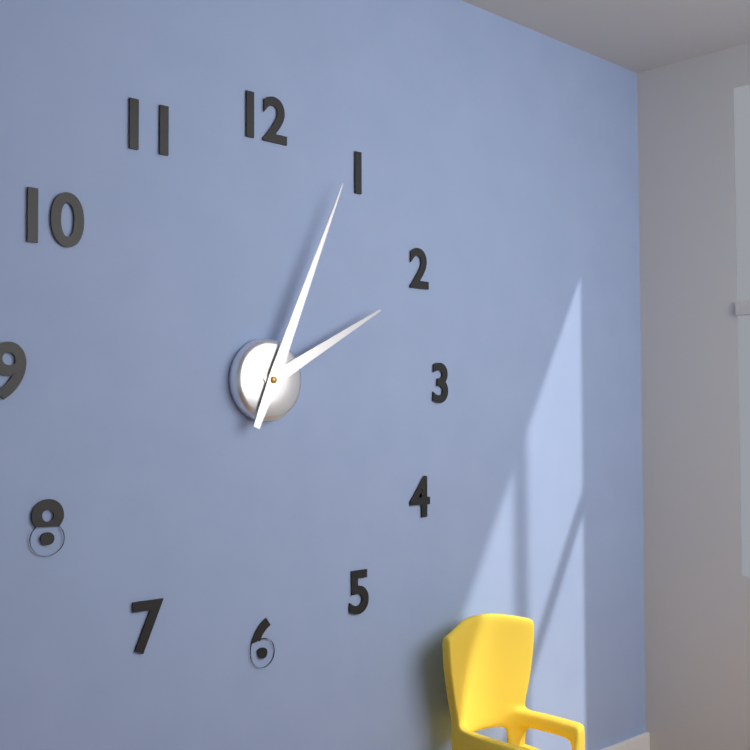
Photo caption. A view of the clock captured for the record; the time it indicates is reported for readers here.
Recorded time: 2:04
